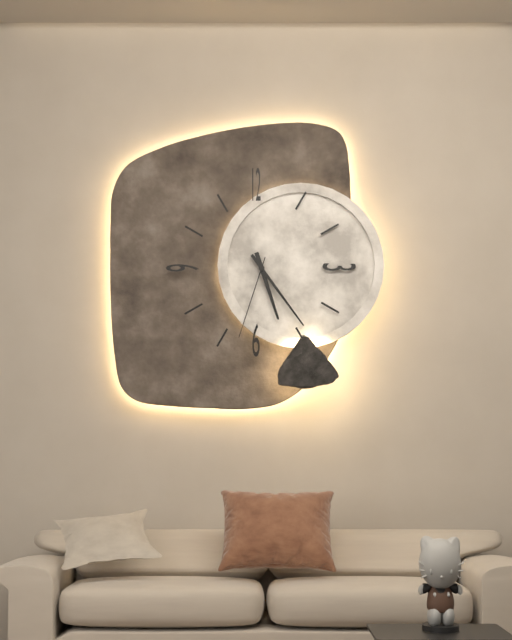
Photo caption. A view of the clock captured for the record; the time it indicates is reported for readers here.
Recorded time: 5:24:33
